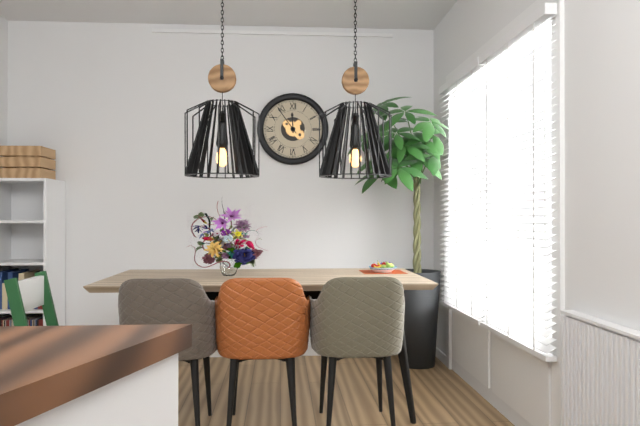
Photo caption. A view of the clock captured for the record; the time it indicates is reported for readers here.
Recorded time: 11:54
